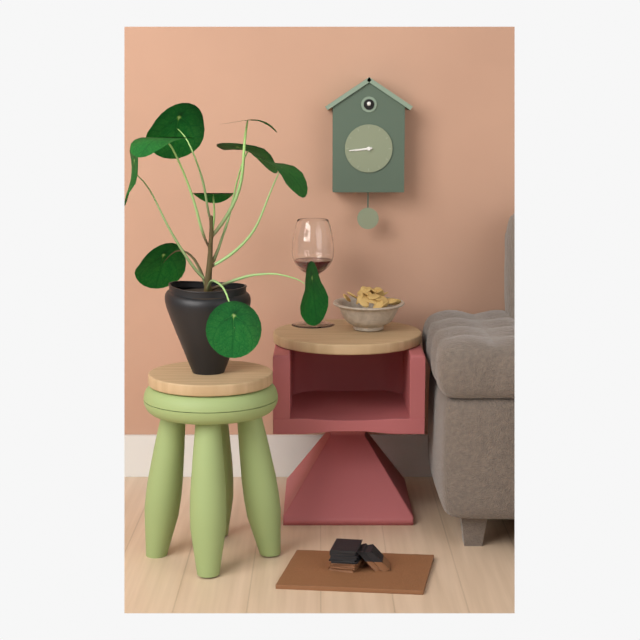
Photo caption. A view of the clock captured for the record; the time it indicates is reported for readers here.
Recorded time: 8:44
